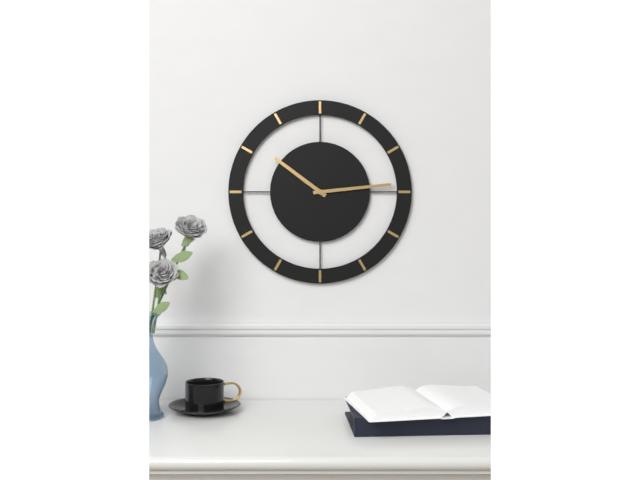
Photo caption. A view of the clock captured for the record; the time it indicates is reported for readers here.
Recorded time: 10:14
